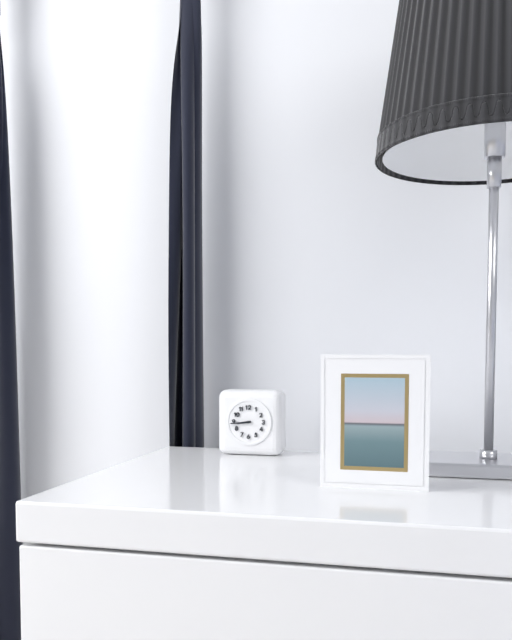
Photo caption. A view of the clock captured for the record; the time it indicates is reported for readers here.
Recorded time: 8:44
